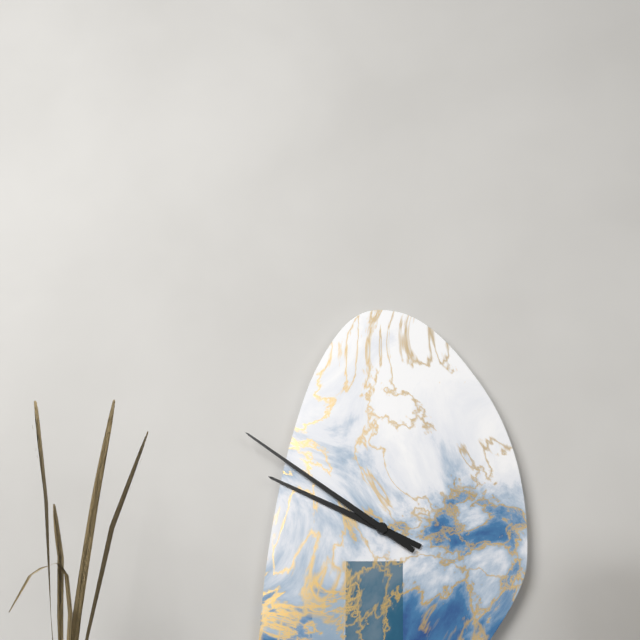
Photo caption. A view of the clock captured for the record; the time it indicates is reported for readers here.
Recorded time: 9:51
